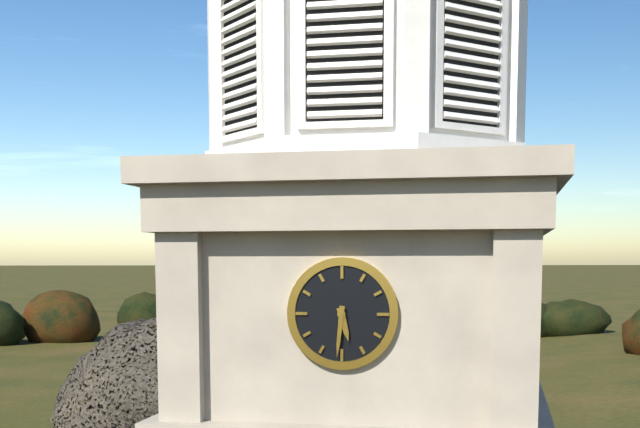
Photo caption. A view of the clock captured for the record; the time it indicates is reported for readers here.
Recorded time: 5:31
